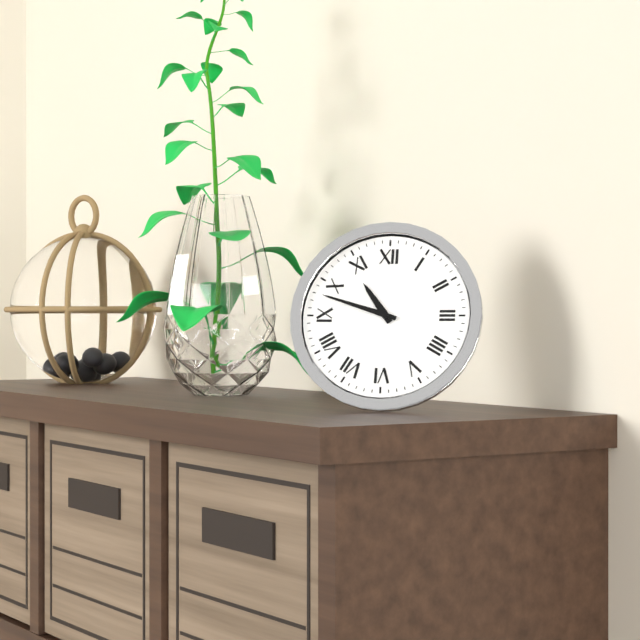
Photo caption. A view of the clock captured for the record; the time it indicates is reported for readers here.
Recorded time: 10:48
